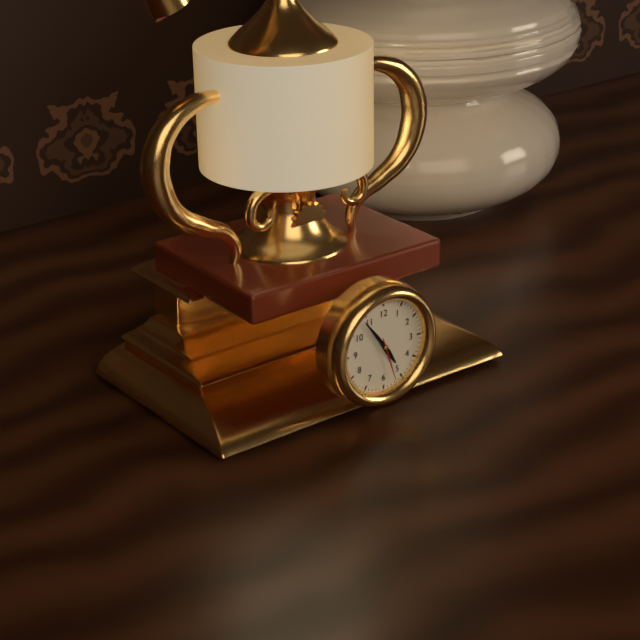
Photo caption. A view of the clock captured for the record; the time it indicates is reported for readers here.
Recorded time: 4:54
